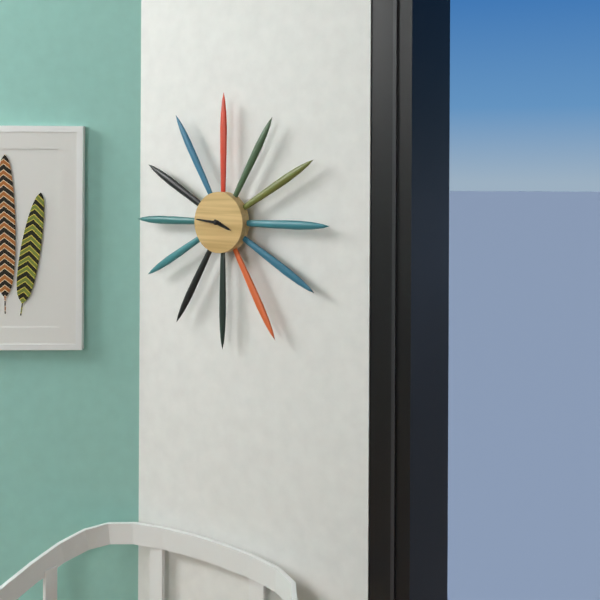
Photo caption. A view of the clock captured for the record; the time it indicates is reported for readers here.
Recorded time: 3:46
